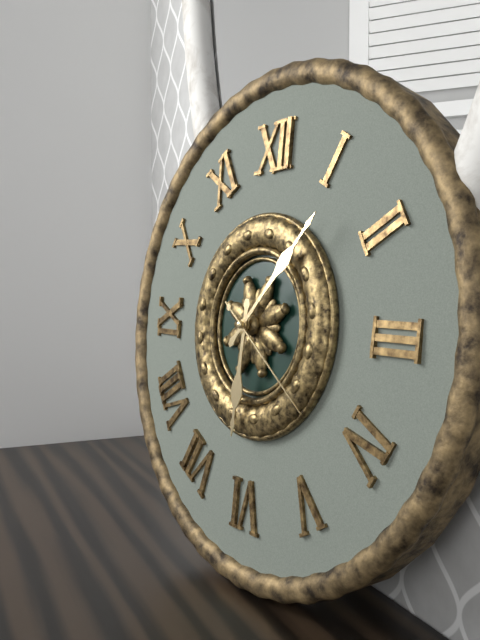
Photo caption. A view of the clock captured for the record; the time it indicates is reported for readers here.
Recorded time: 6:07:21
